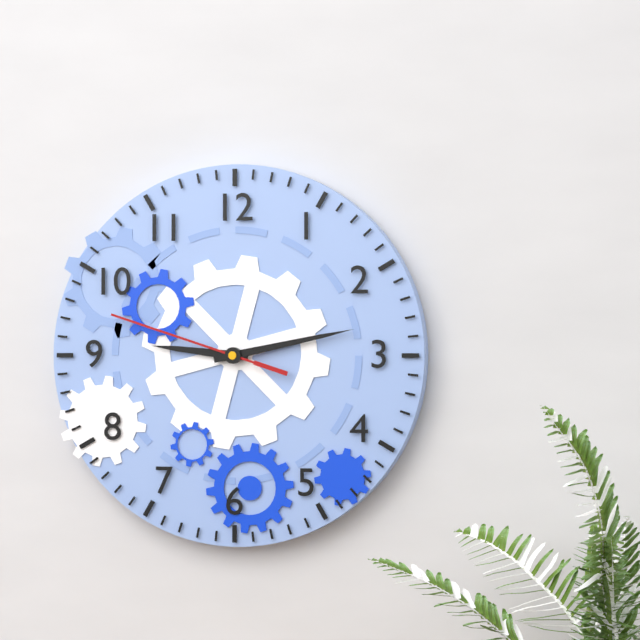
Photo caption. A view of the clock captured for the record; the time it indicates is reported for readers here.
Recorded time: 9:13:48
